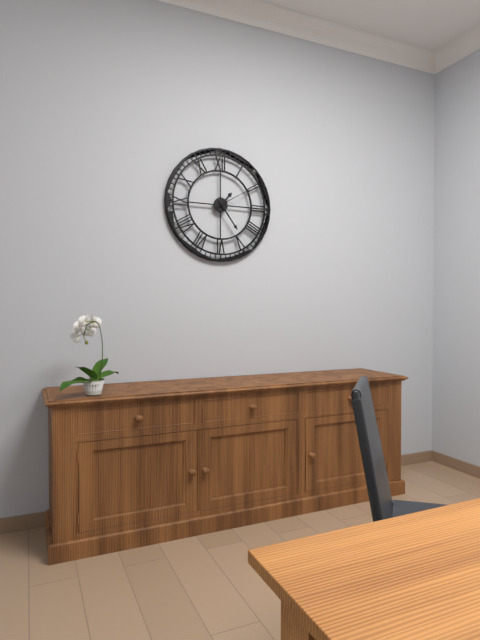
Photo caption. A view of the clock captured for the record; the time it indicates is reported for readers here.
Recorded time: 1:24
